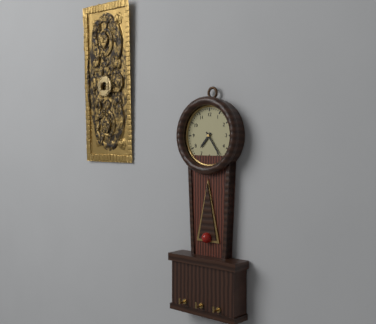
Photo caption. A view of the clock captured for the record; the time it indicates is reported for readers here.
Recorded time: 7:24
